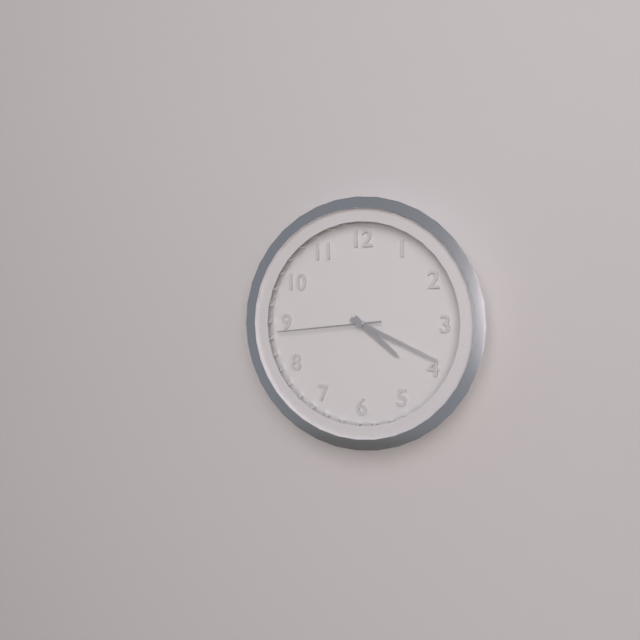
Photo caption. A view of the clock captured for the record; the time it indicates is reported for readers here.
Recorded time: 4:19:44
